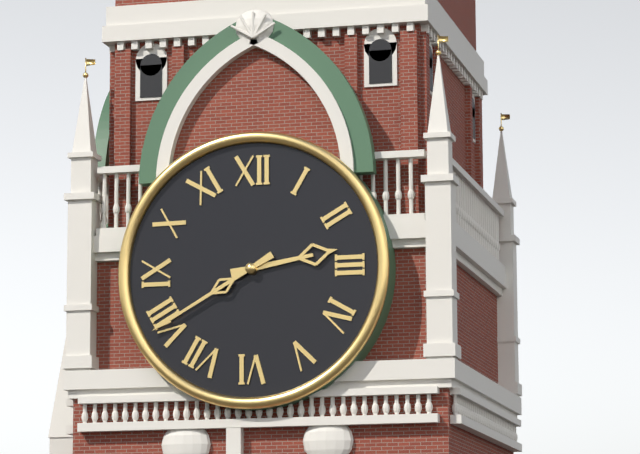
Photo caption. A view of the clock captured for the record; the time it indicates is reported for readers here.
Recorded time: 2:40
